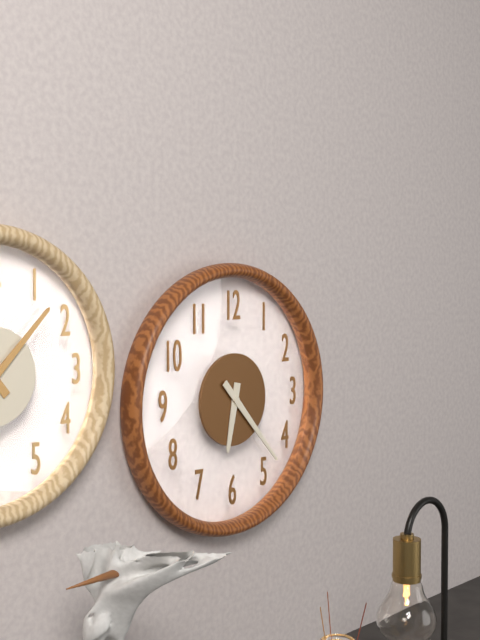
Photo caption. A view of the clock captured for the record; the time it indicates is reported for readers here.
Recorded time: 6:23
